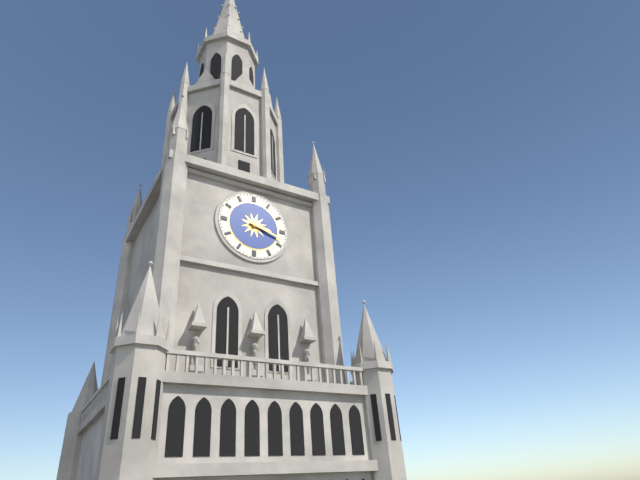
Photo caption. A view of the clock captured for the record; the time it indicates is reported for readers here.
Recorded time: 3:18
